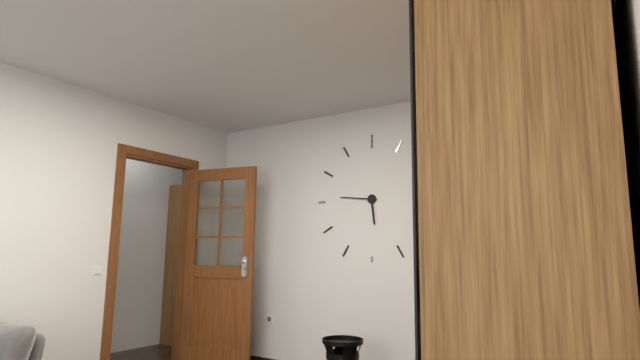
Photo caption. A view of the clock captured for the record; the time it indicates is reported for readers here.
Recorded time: 5:46
